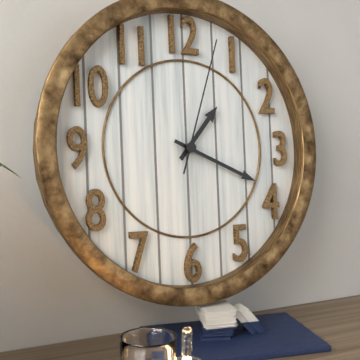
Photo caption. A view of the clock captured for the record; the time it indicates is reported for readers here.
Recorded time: 1:19:03
